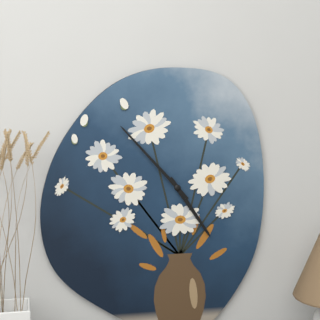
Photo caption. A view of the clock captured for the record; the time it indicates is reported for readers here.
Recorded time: 4:53
